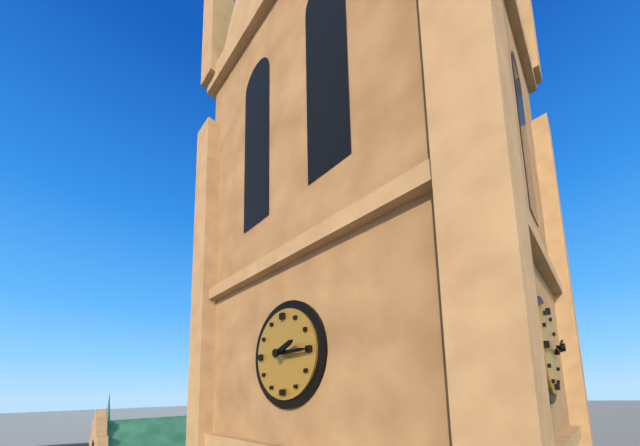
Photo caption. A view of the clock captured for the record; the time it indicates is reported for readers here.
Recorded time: 2:15
